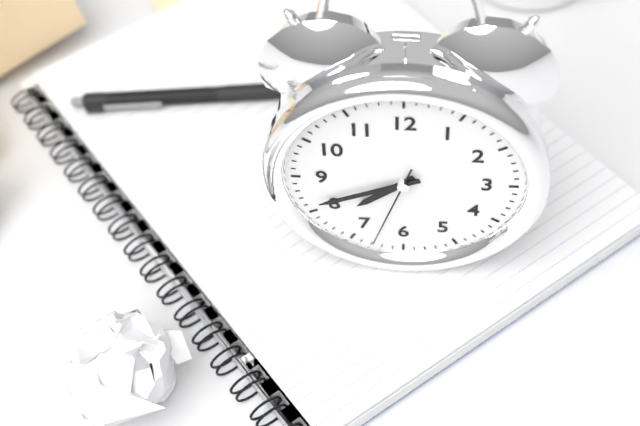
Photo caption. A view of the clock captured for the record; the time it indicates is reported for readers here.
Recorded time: 7:41:33
